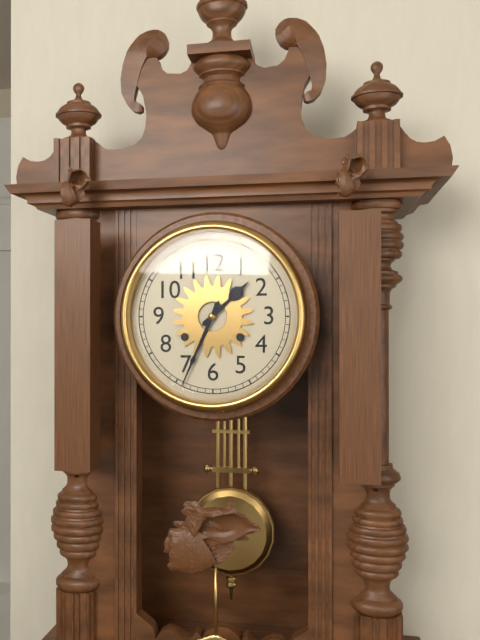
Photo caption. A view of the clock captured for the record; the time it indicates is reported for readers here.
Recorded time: 1:34
